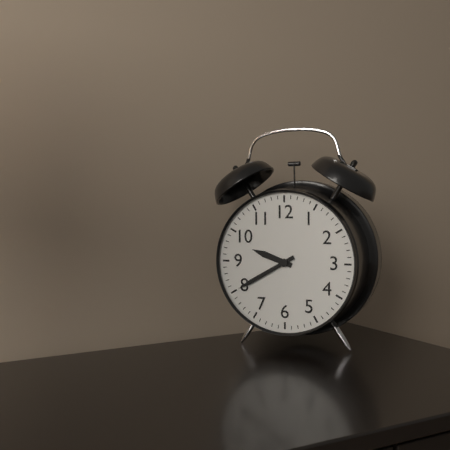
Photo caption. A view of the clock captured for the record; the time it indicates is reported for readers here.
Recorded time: 9:40
